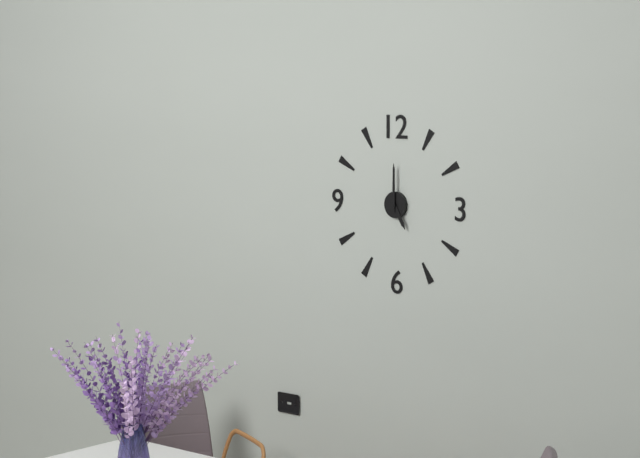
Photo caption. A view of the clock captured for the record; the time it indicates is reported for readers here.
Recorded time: 5:00
